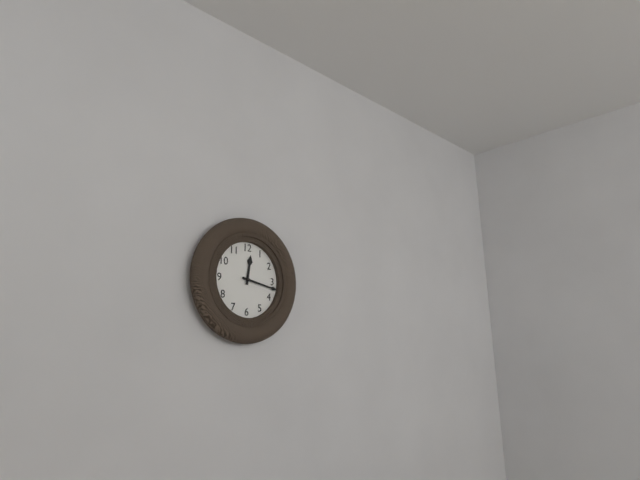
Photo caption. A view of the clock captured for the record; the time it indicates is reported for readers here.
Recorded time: 12:17
